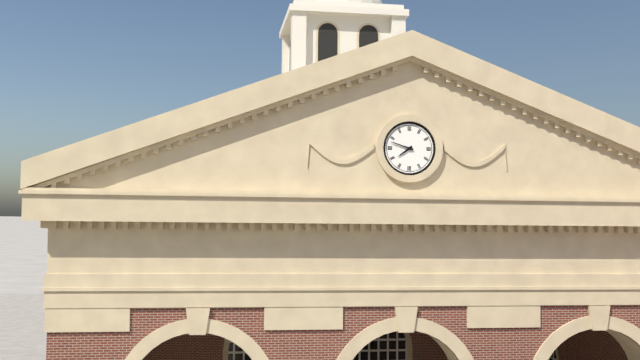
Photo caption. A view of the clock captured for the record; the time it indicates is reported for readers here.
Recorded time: 7:48
